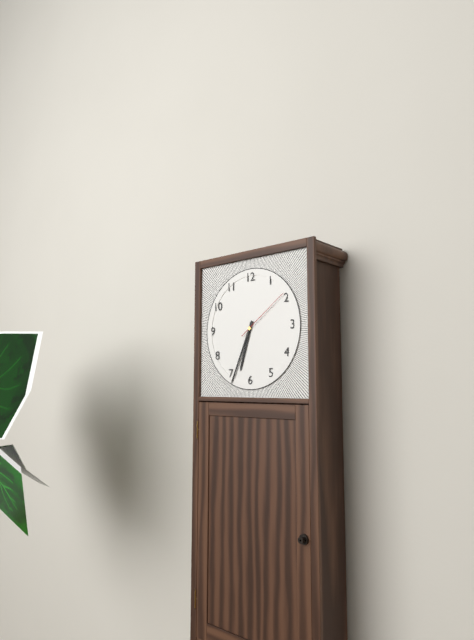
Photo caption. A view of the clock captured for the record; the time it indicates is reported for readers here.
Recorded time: 6:34:09
